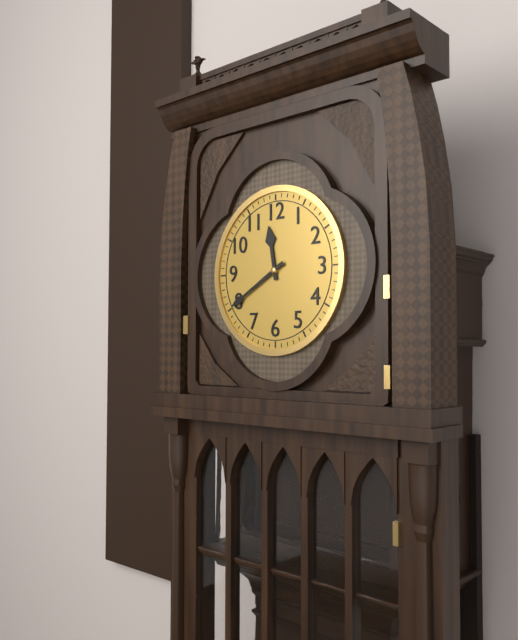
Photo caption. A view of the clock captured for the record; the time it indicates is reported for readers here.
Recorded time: 11:40
